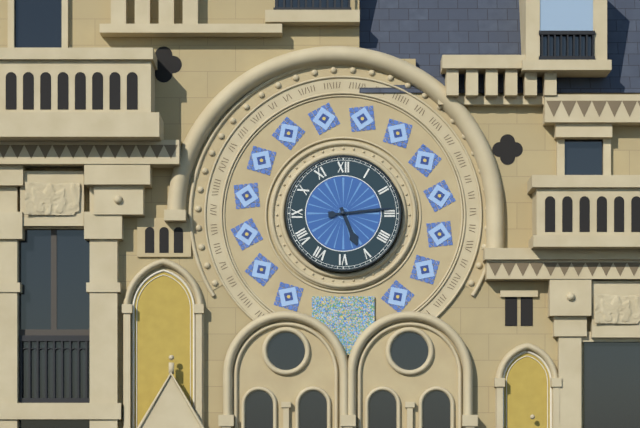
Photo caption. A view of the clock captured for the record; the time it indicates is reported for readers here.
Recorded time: 5:14
